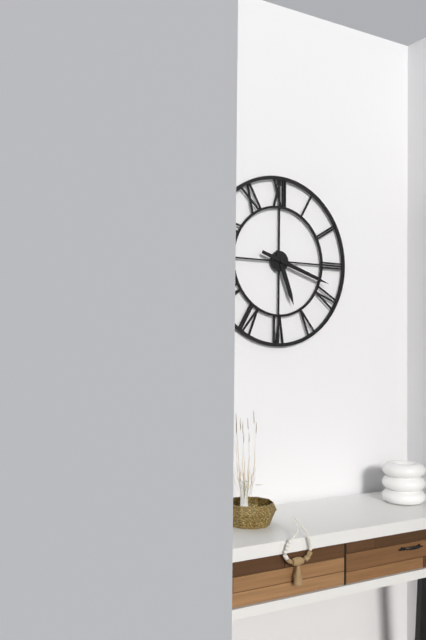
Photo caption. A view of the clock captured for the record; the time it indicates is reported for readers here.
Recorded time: 5:18
